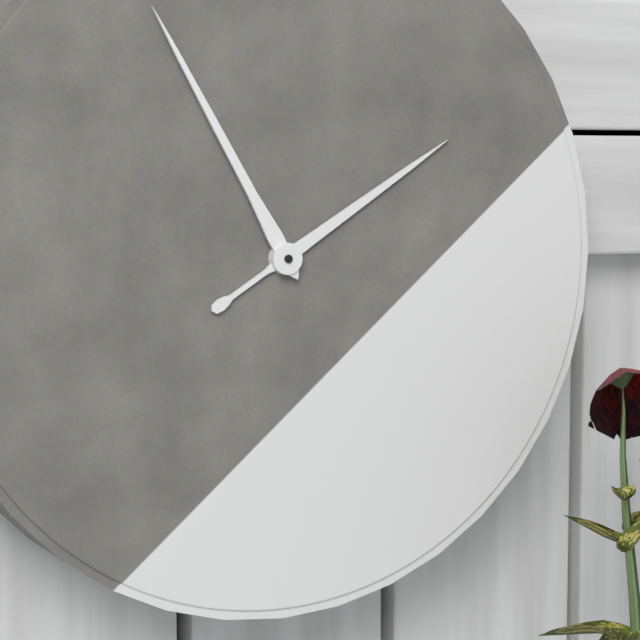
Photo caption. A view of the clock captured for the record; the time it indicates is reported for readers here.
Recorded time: 1:55
